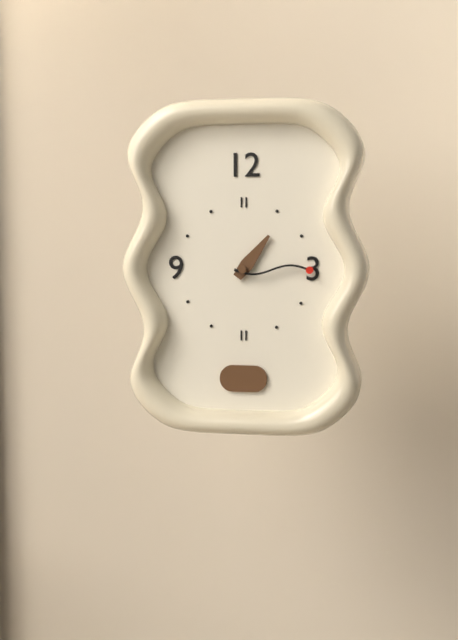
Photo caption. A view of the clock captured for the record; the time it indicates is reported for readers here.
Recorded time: 1:15
